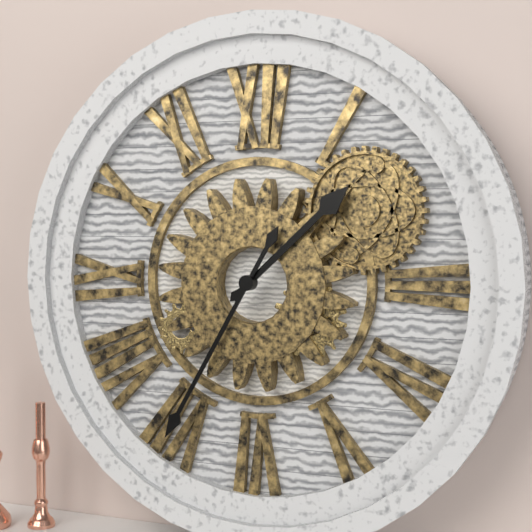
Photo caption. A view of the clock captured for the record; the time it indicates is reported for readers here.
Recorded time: 1:35
